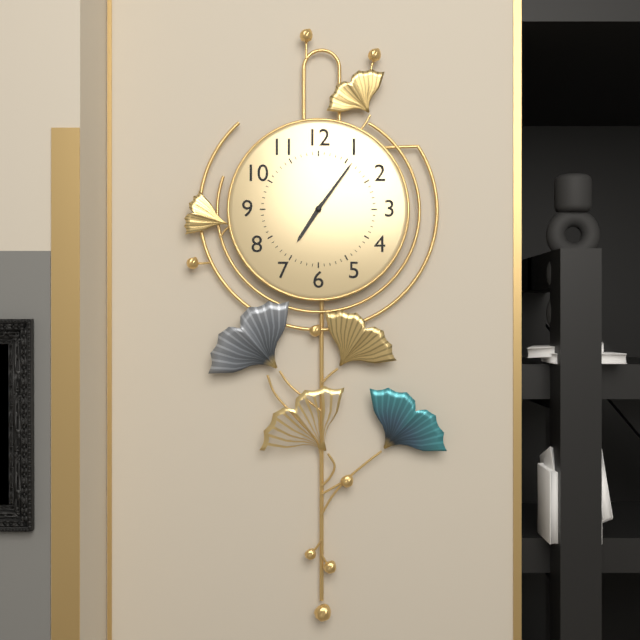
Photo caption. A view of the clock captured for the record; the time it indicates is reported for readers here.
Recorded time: 7:06
